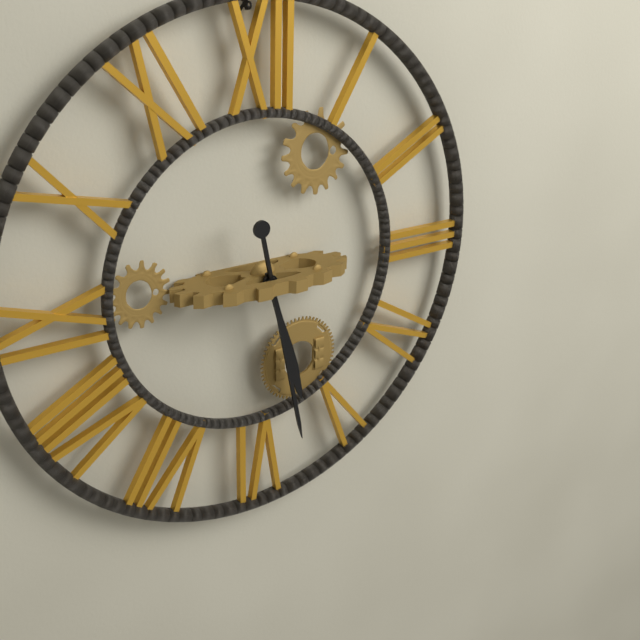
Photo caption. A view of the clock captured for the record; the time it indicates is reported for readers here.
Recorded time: 5:28
